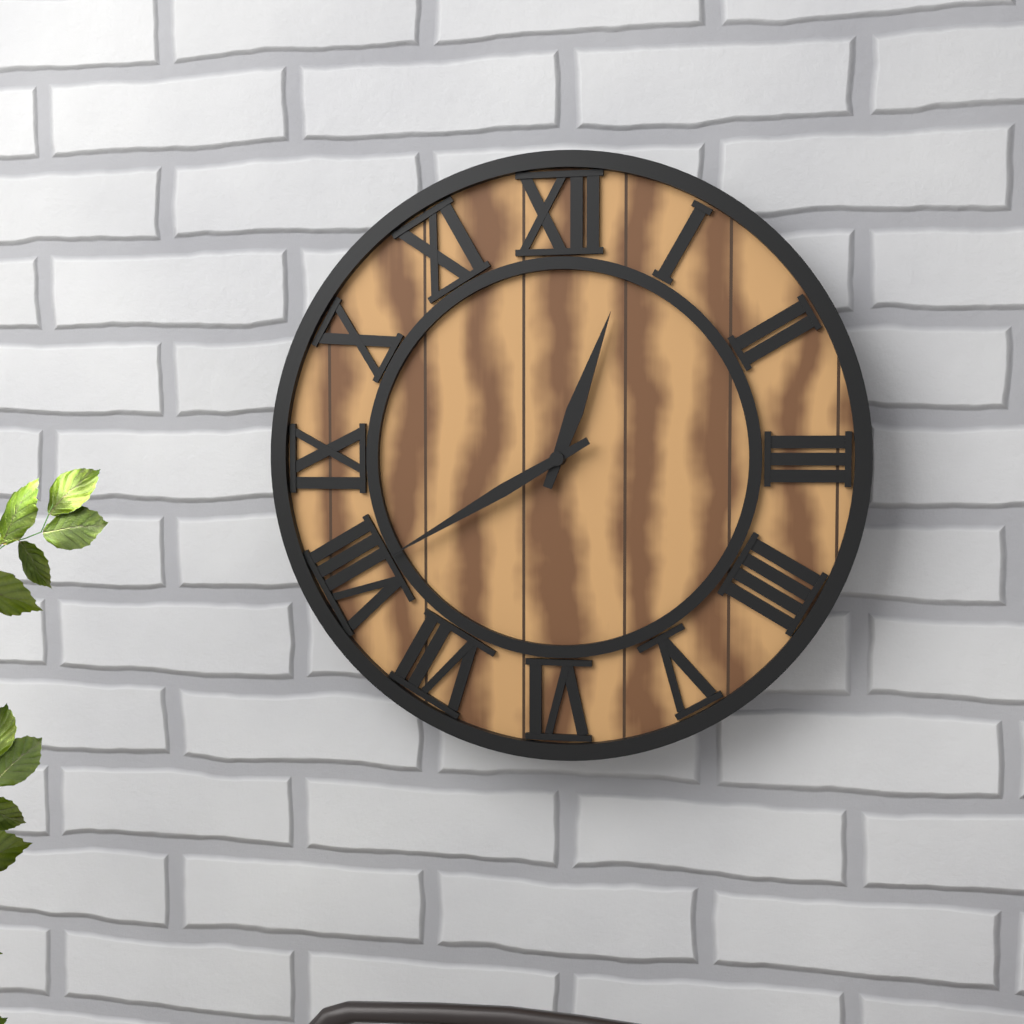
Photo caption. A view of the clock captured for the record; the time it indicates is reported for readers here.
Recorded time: 12:40
